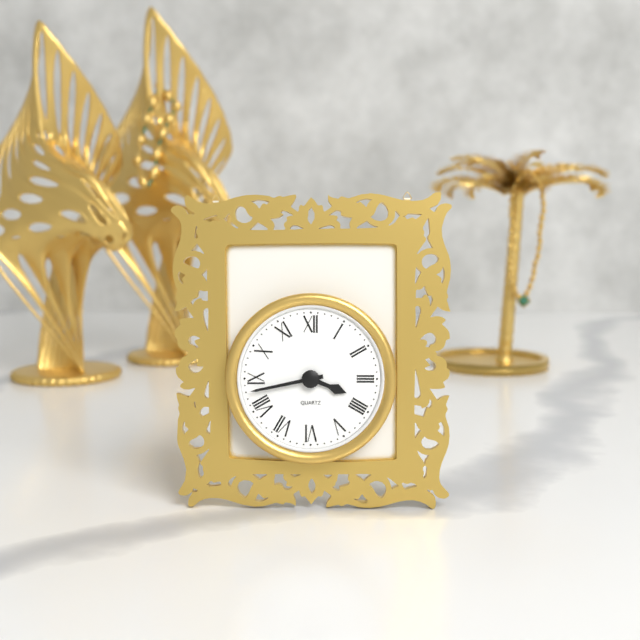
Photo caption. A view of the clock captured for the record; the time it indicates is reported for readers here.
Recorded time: 3:43
